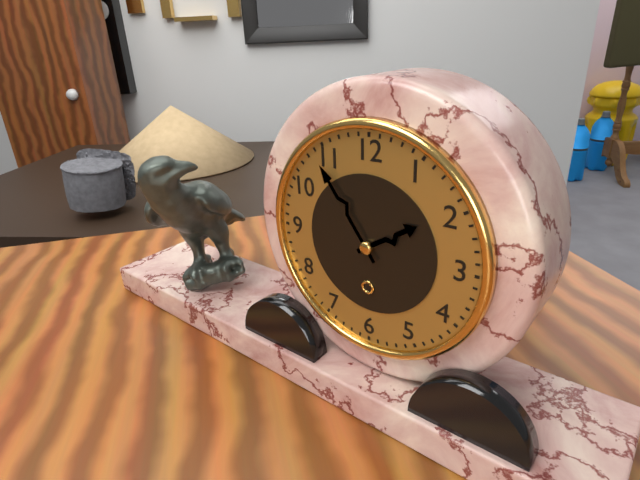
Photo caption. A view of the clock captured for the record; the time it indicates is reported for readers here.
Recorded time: 1:54
